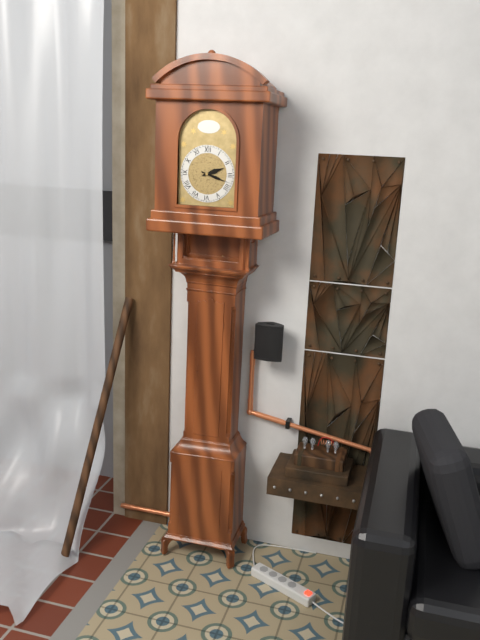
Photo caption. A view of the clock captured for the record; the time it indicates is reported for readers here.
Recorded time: 2:18
